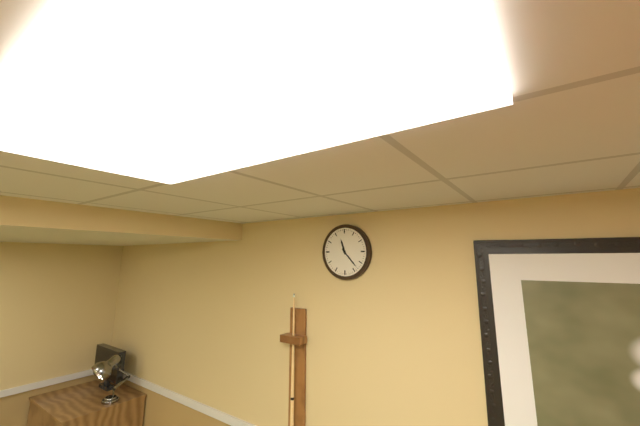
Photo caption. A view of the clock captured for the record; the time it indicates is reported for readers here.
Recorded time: 11:23
